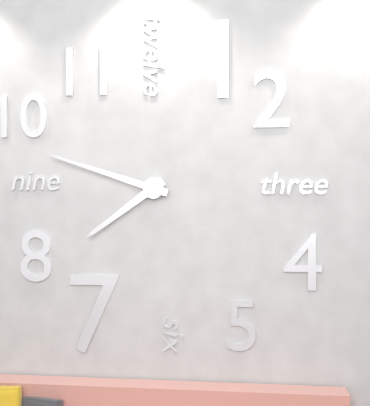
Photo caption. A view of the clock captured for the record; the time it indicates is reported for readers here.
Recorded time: 7:48
